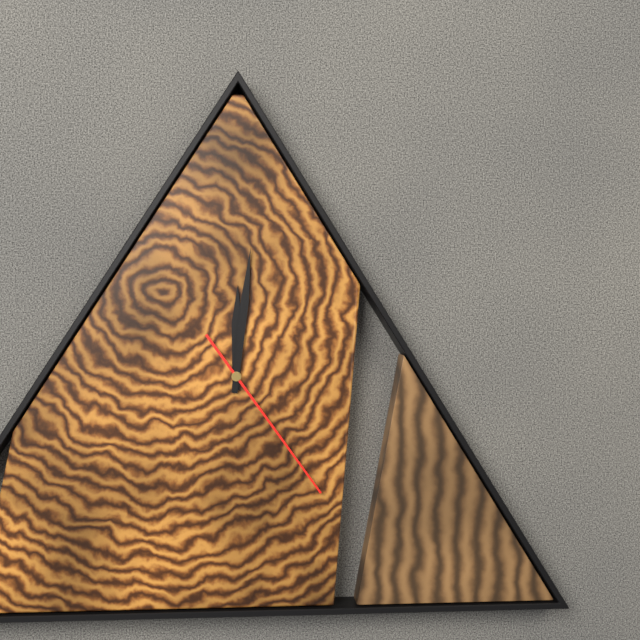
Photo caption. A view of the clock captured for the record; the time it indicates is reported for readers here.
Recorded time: 12:01:24
